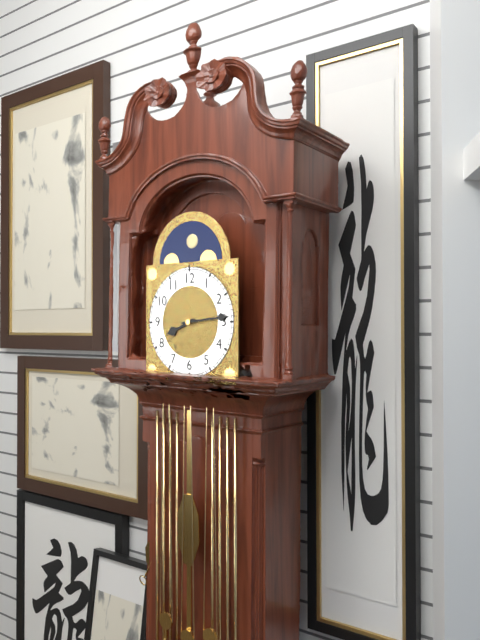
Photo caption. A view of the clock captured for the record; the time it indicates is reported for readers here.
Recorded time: 8:14
